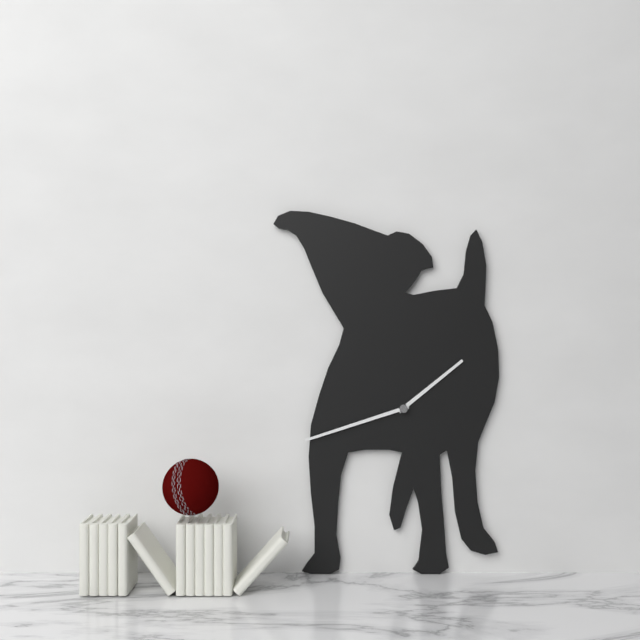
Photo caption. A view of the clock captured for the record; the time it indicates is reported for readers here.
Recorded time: 1:42
